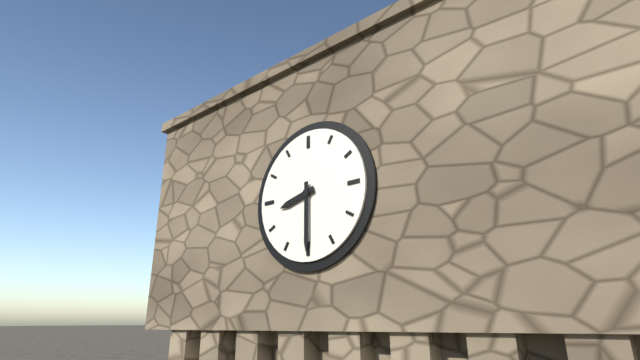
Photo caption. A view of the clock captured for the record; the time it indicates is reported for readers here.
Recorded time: 8:30
